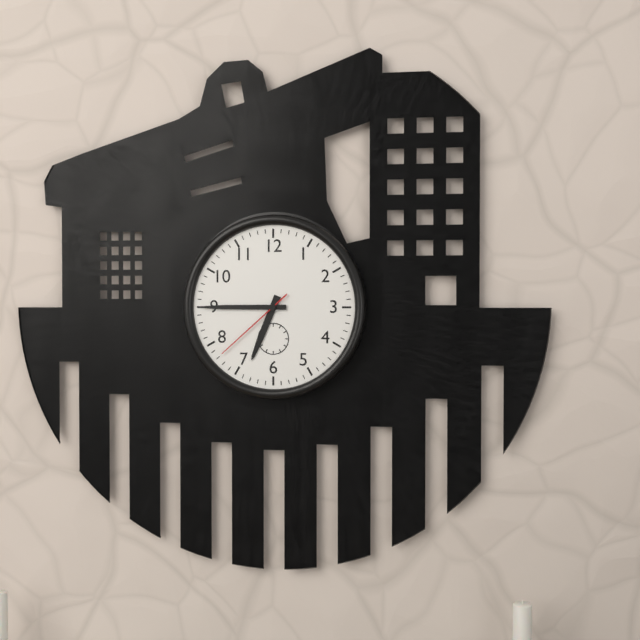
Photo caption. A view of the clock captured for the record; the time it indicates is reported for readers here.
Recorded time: 6:45:38
